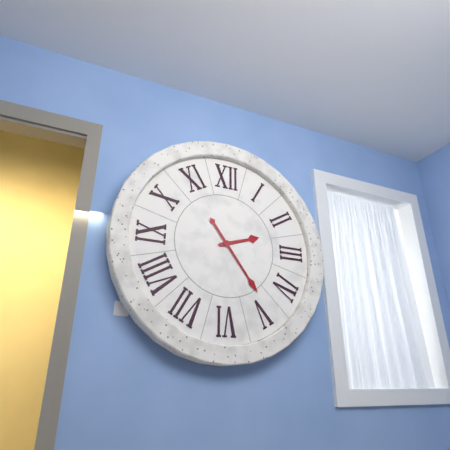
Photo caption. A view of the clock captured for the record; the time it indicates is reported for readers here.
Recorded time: 2:24
